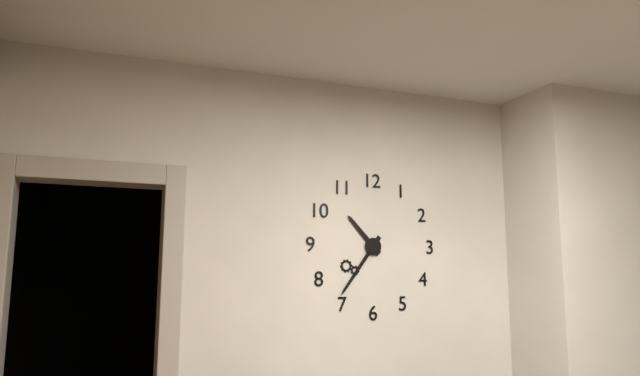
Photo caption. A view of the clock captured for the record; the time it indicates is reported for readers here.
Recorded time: 10:36
